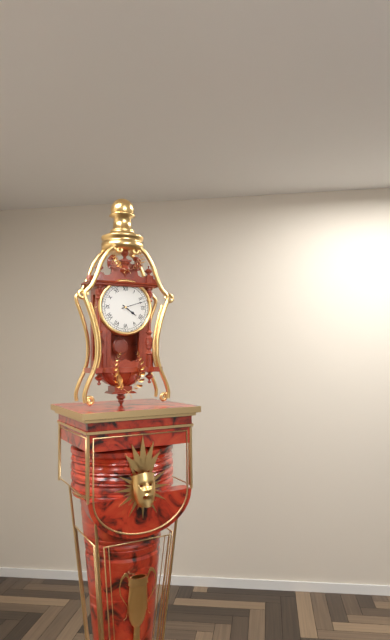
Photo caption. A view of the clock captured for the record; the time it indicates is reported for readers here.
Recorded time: 4:12
